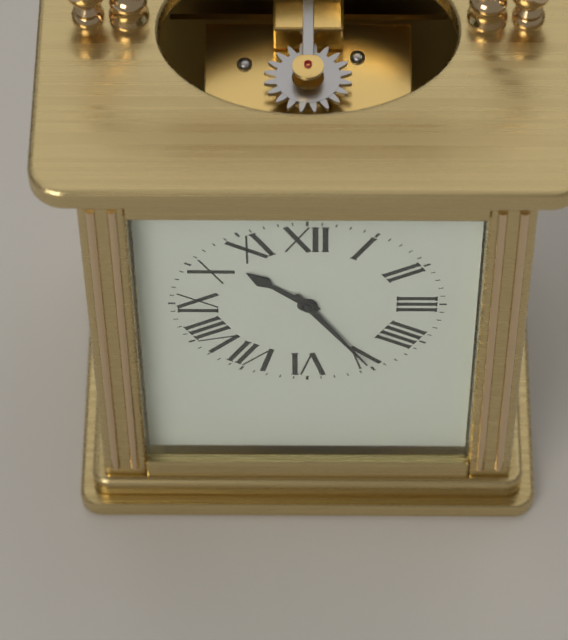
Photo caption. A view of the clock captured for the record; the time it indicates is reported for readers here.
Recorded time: 10:25
